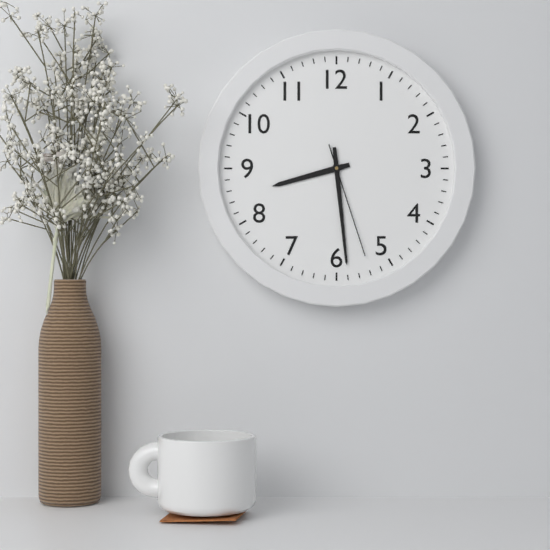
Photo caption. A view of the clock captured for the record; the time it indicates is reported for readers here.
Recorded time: 8:29:27
